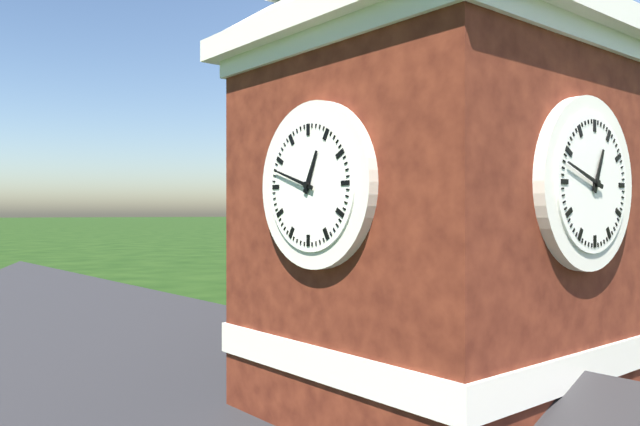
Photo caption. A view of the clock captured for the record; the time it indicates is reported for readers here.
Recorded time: 12:48
